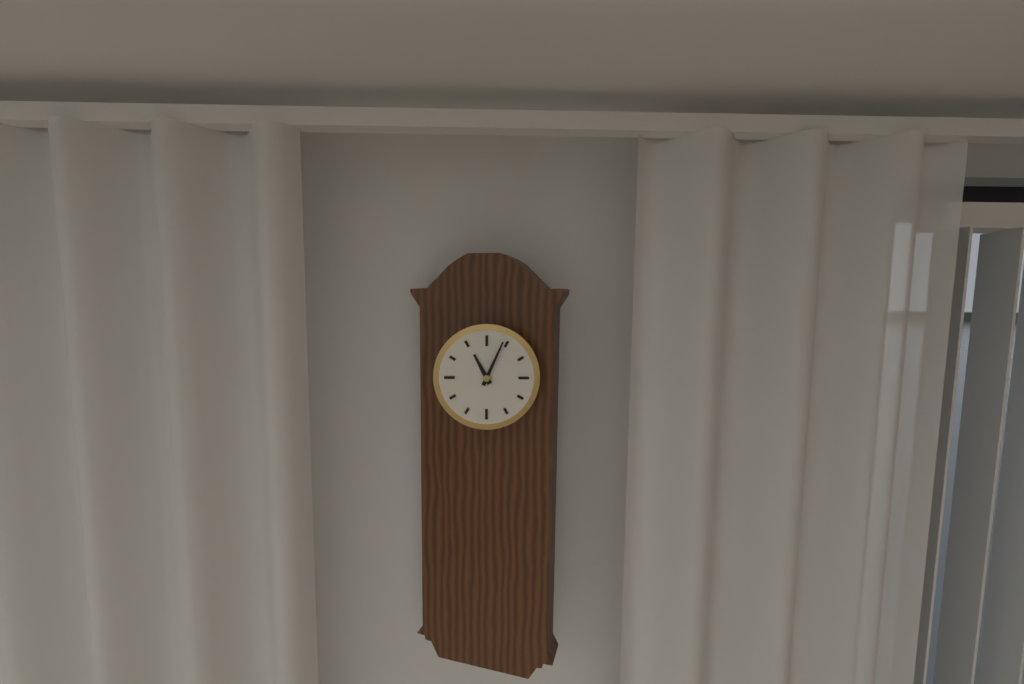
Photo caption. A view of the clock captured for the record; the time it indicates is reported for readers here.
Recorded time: 11:04
